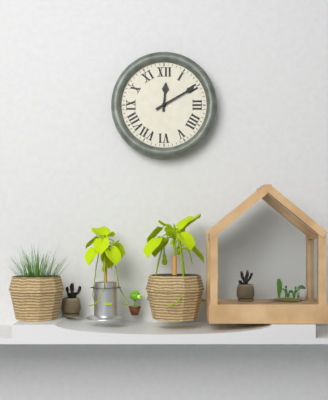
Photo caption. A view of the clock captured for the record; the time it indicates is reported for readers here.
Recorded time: 12:10
